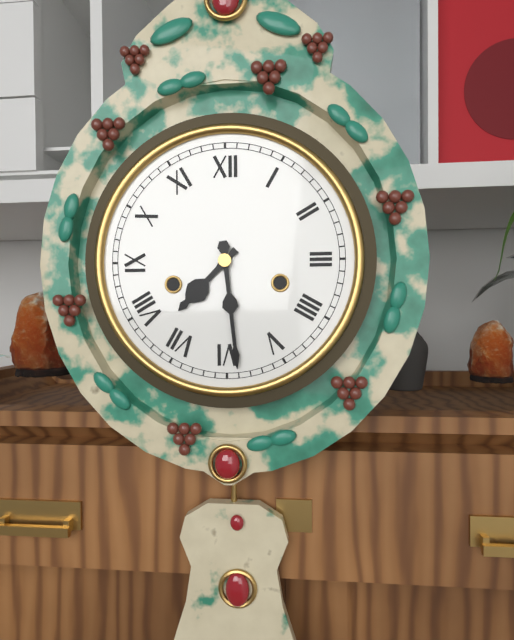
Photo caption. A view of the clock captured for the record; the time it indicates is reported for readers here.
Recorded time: 7:29
